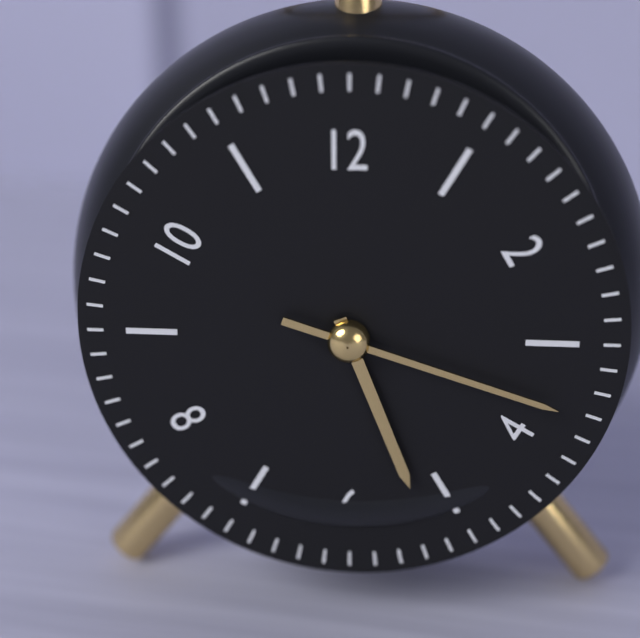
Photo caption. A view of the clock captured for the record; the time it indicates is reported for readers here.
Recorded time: 5:18
